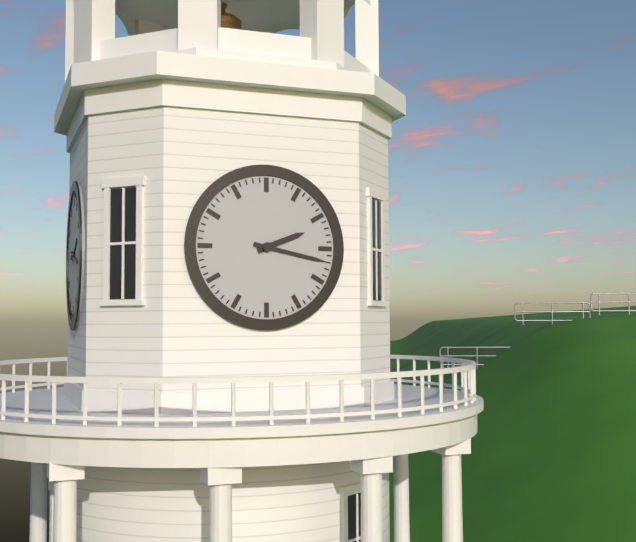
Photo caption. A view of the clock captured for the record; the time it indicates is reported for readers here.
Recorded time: 2:17
